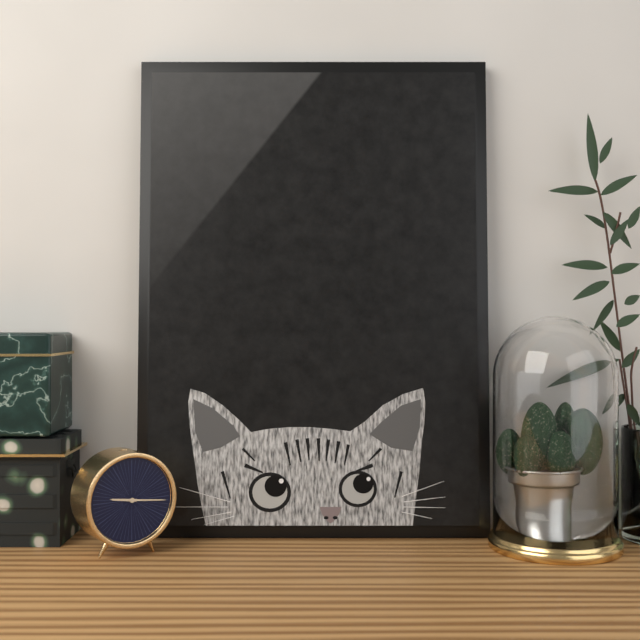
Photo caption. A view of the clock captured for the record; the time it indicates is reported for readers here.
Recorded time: 9:16
